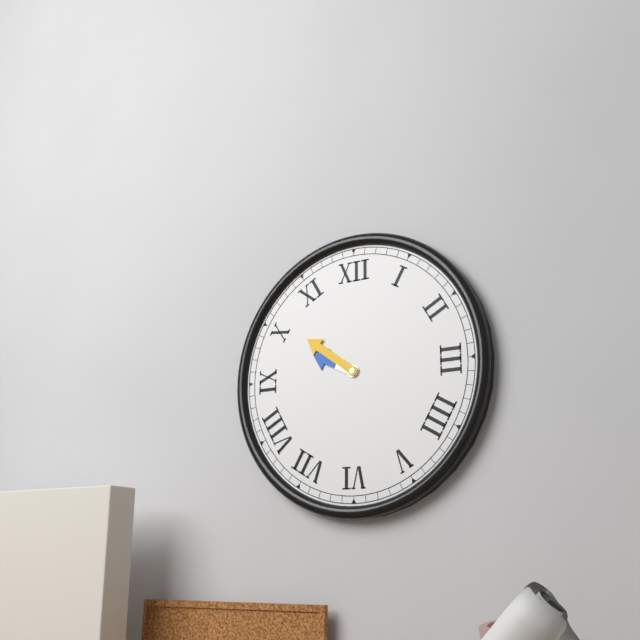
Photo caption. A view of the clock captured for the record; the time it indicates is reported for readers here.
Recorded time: 9:51
